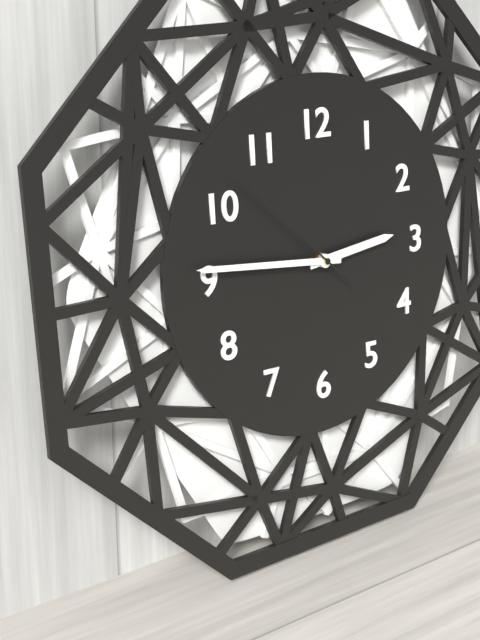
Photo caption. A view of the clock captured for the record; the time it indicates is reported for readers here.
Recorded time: 2:46:52
